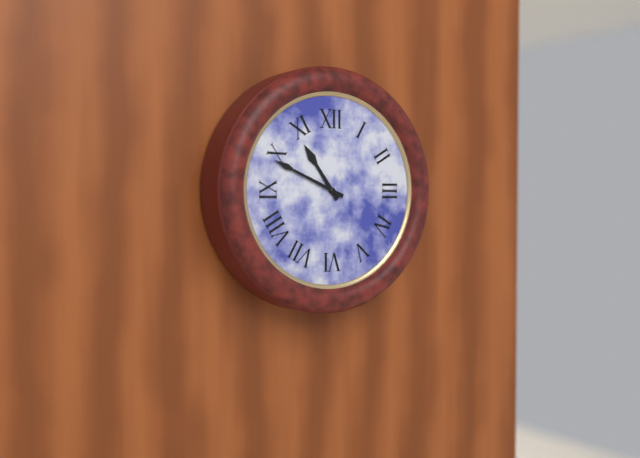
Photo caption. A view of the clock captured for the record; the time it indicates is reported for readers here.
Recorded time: 10:49
